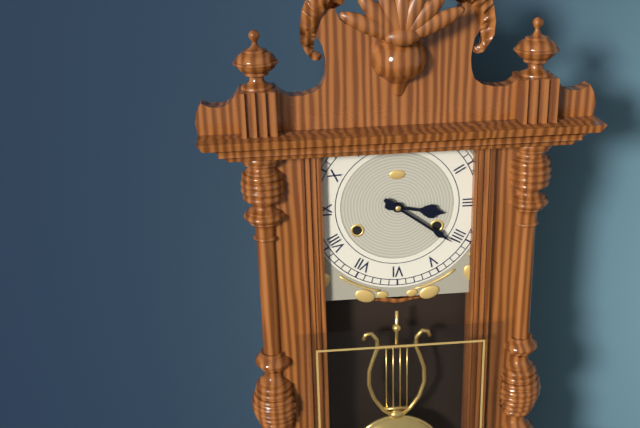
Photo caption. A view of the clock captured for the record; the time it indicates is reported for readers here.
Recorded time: 3:21
